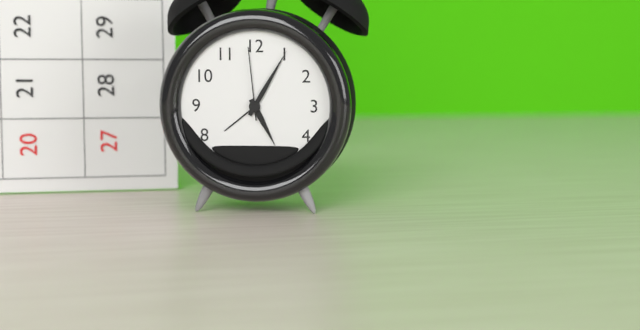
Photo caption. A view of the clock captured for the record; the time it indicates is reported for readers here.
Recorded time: 5:05:59
